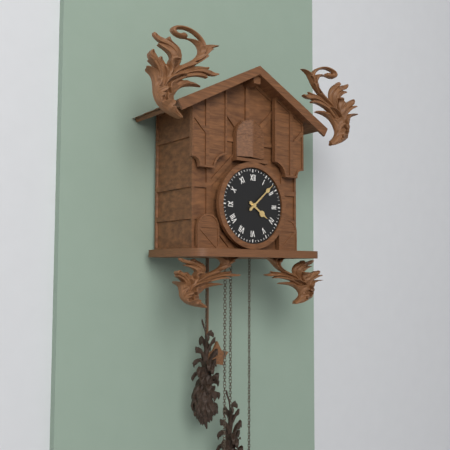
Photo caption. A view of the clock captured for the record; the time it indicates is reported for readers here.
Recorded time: 4:08
